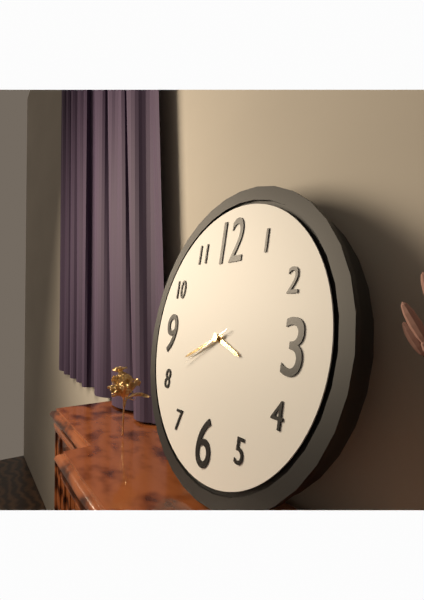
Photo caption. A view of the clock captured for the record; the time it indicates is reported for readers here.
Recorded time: 3:41:40
